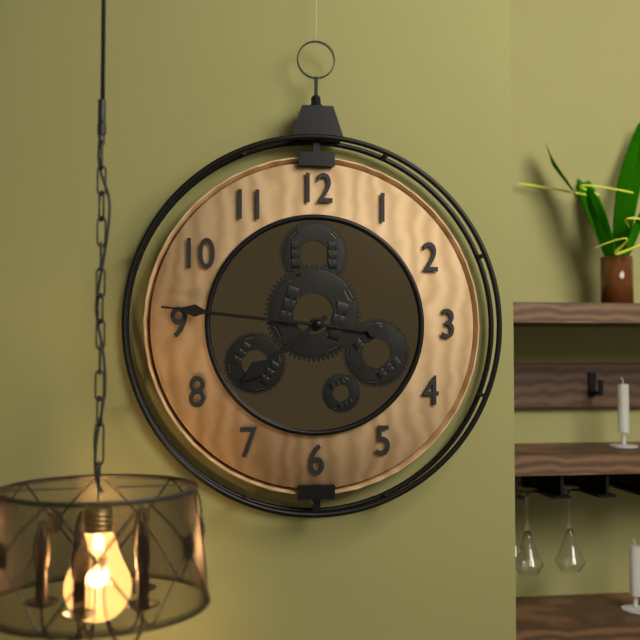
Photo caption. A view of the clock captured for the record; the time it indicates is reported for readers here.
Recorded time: 7:46
